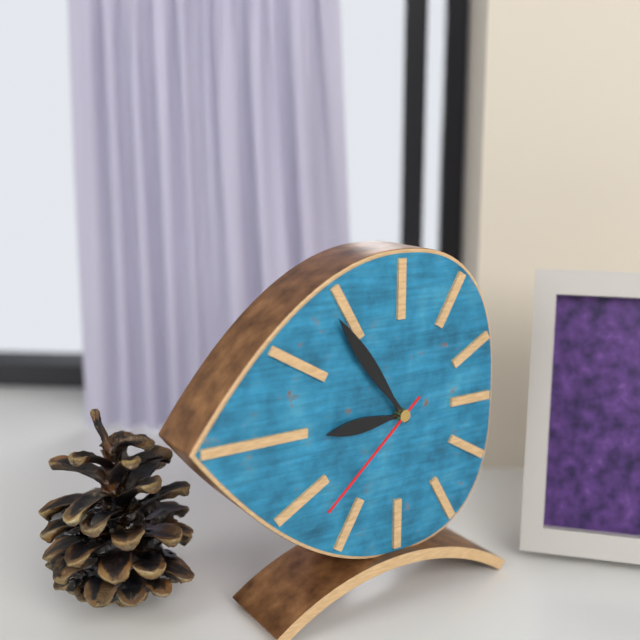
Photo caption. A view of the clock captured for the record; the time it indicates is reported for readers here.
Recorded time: 8:54:38
